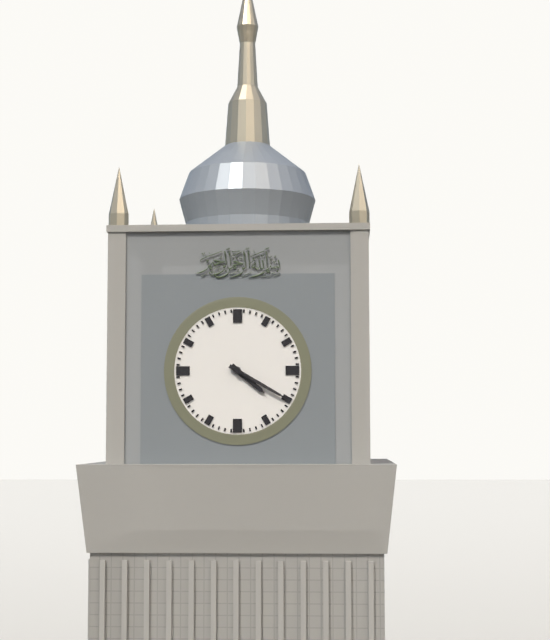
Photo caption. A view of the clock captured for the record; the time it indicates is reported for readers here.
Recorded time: 4:20
